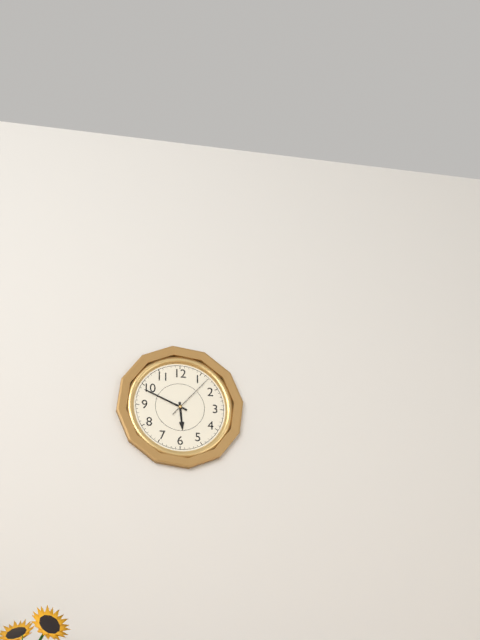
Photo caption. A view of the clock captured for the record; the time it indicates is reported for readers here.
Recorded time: 5:49
